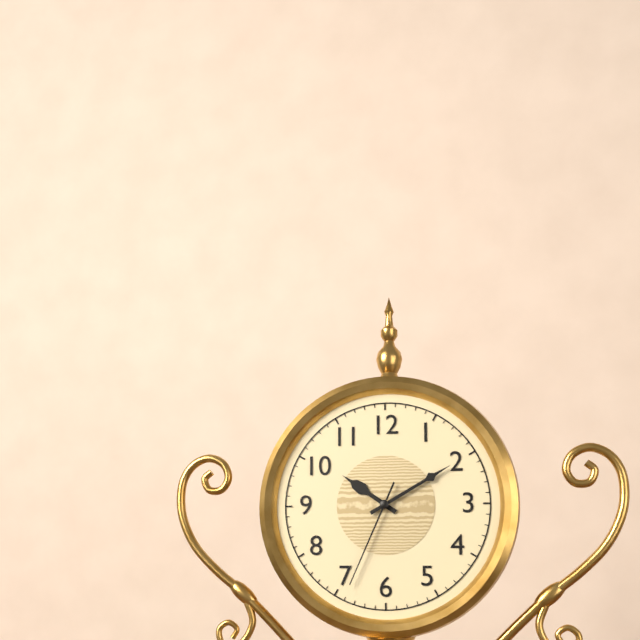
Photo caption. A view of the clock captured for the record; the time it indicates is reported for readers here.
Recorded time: 10:10:34
